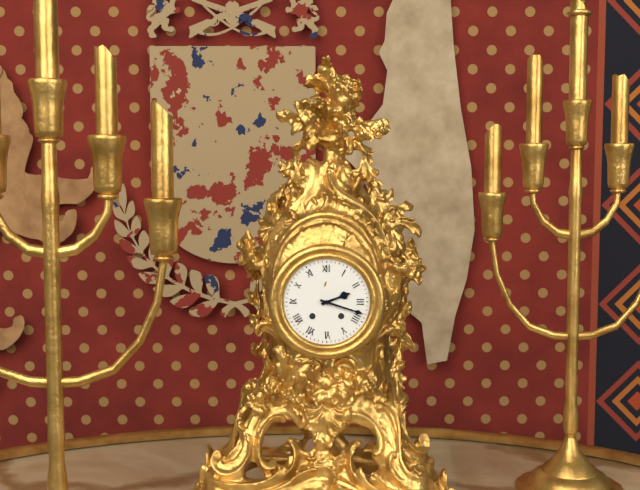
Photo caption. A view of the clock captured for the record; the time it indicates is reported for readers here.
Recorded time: 2:18
